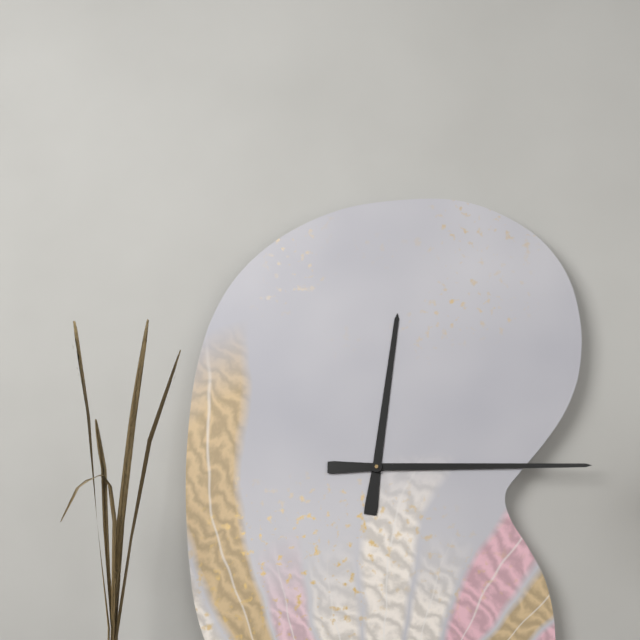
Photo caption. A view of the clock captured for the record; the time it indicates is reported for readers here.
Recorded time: 12:15
